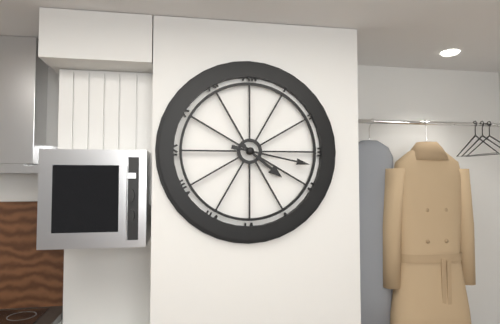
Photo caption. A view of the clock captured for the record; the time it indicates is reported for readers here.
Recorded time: 4:17
